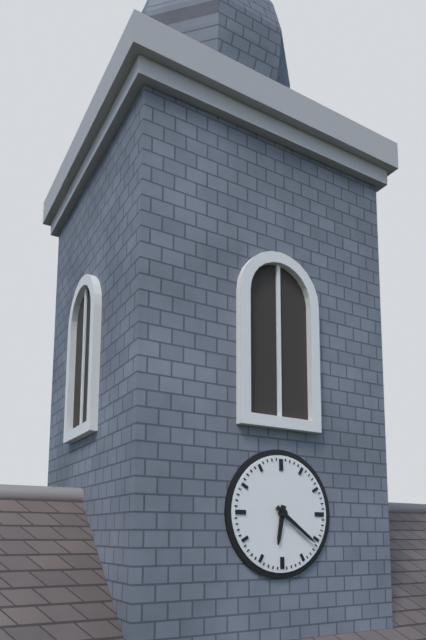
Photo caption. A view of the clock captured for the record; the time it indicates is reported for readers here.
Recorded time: 6:21
